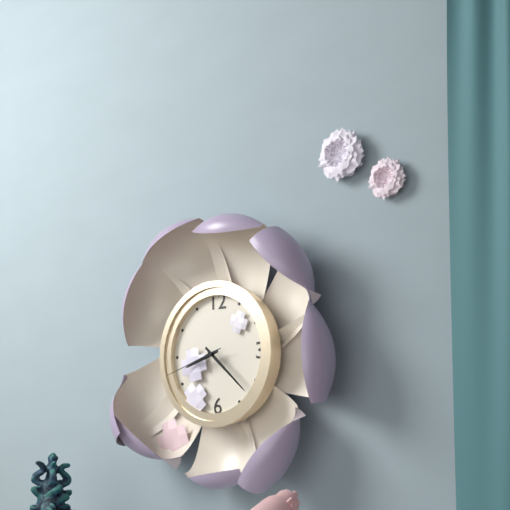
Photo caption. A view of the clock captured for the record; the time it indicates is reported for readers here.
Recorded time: 8:22:42
